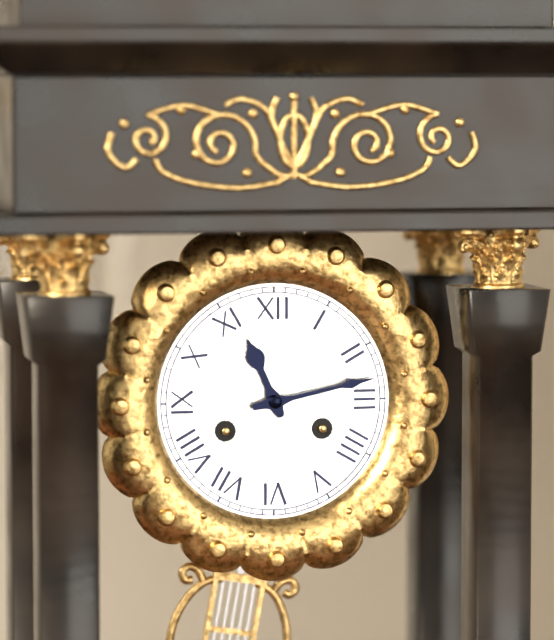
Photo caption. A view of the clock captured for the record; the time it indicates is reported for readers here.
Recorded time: 11:13
